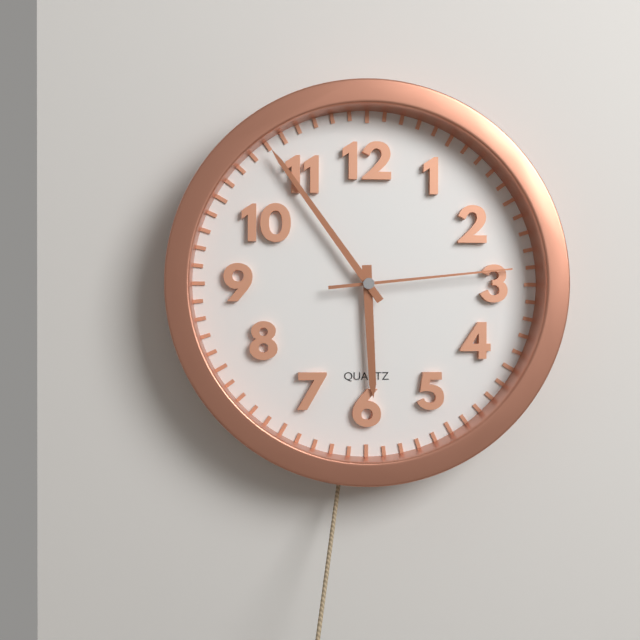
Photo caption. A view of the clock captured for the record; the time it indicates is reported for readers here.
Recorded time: 5:54:14
